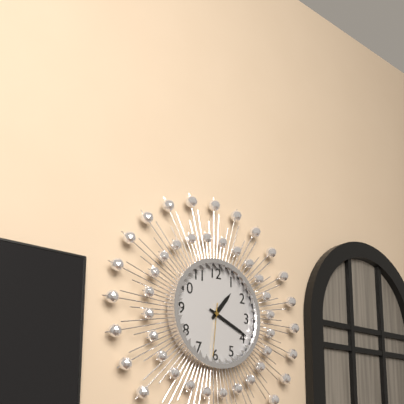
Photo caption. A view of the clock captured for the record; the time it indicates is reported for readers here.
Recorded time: 1:19:31
